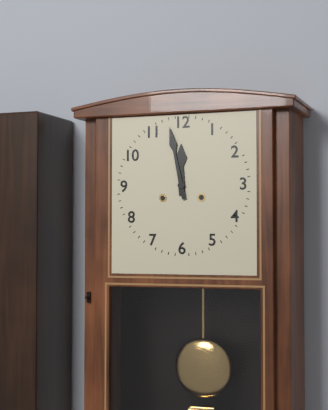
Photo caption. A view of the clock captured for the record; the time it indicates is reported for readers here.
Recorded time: 11:58
